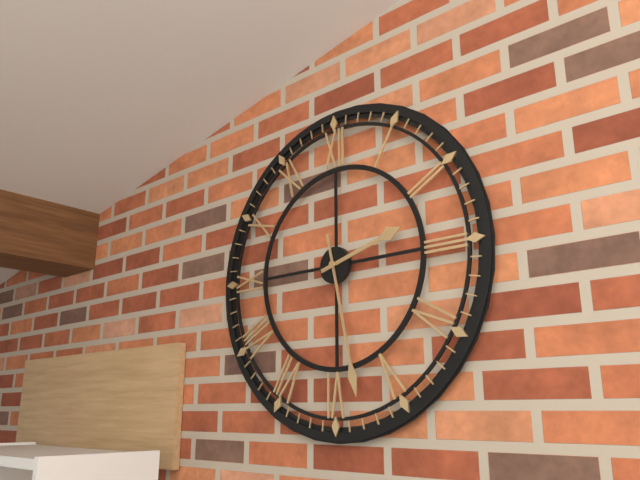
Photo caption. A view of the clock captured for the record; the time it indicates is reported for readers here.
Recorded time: 2:28
